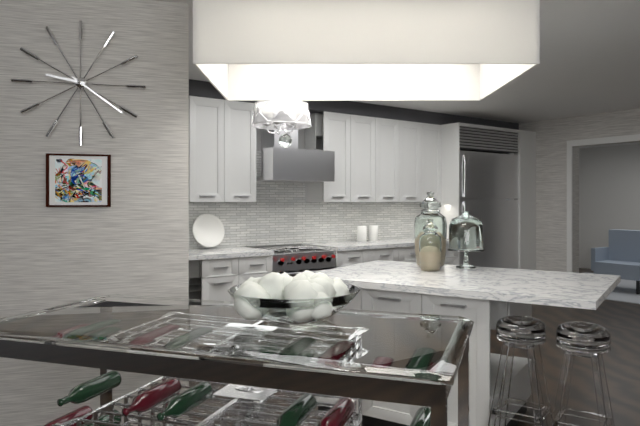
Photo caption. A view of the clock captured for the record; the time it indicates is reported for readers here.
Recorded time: 9:21
